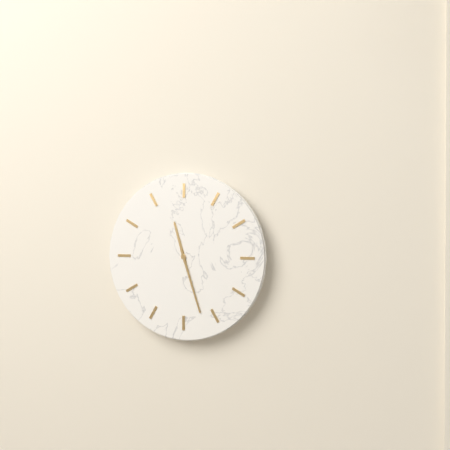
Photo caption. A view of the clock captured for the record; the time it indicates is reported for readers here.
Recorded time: 11:27
